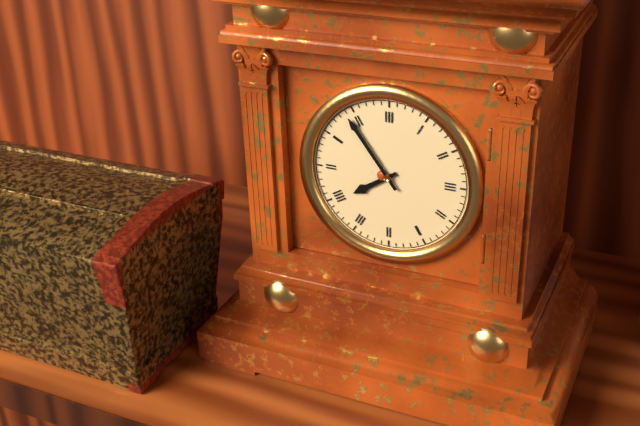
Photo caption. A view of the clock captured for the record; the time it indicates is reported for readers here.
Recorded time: 7:54
